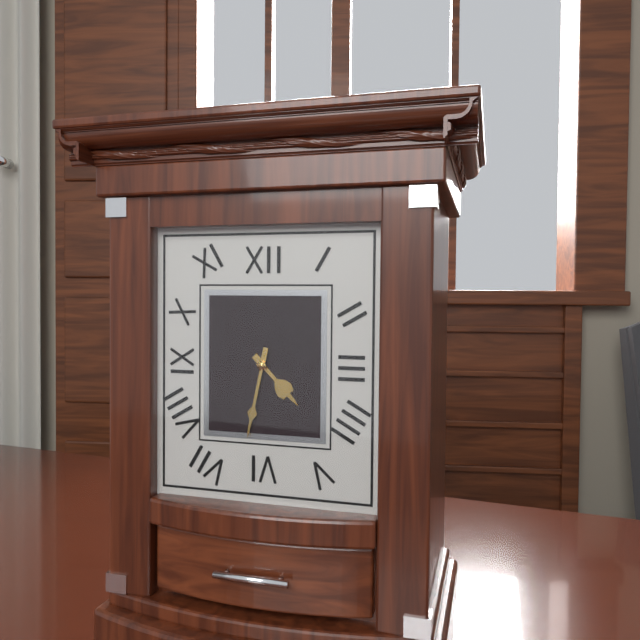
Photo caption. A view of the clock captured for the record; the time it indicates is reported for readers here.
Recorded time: 4:32
